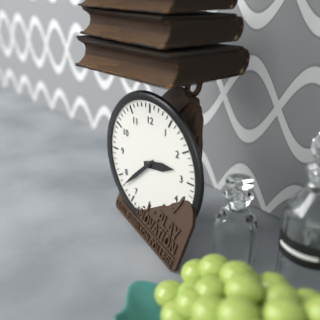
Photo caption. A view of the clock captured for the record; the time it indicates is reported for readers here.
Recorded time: 2:38
